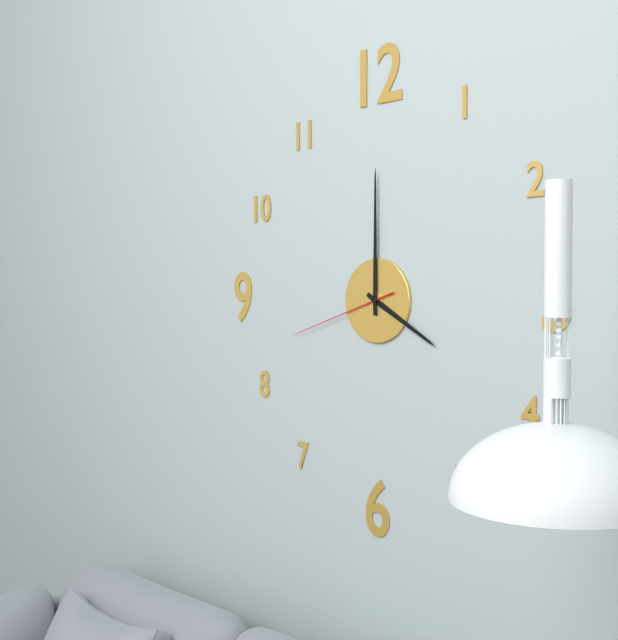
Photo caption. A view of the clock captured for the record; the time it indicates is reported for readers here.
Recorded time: 4:00:42
